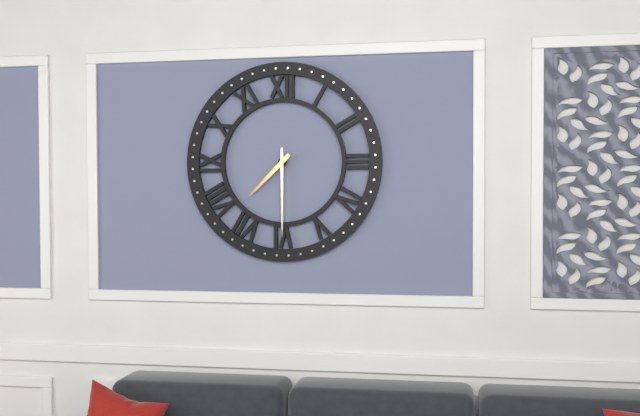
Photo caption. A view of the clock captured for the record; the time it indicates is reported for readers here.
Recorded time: 7:30
